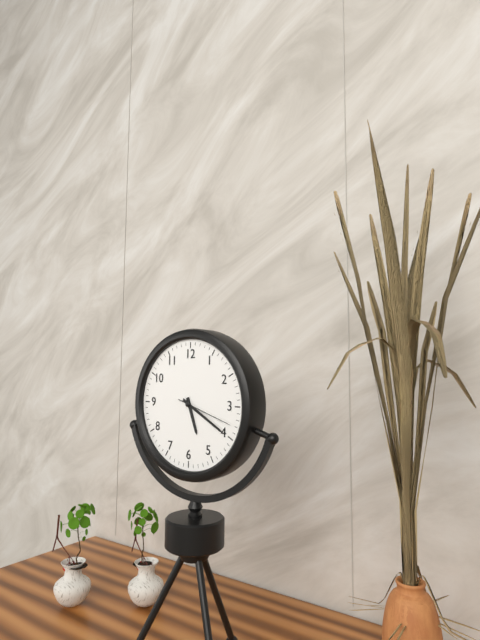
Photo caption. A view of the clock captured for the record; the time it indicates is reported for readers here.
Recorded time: 5:20:18
